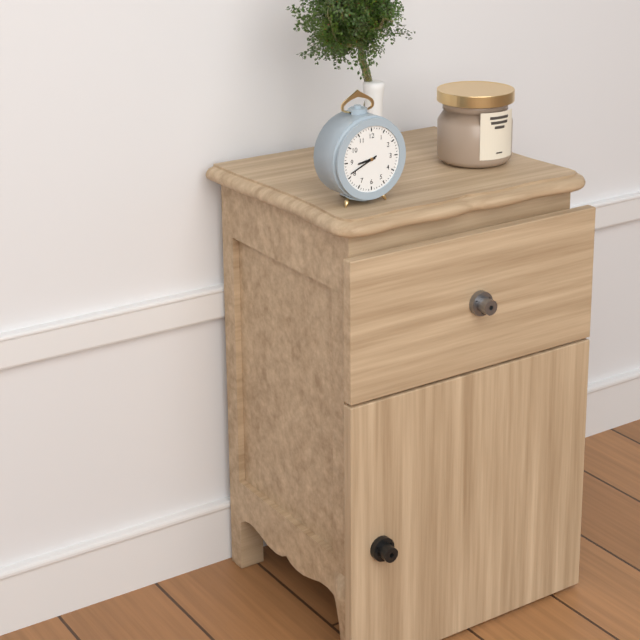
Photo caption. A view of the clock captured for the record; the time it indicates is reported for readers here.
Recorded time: 8:41
